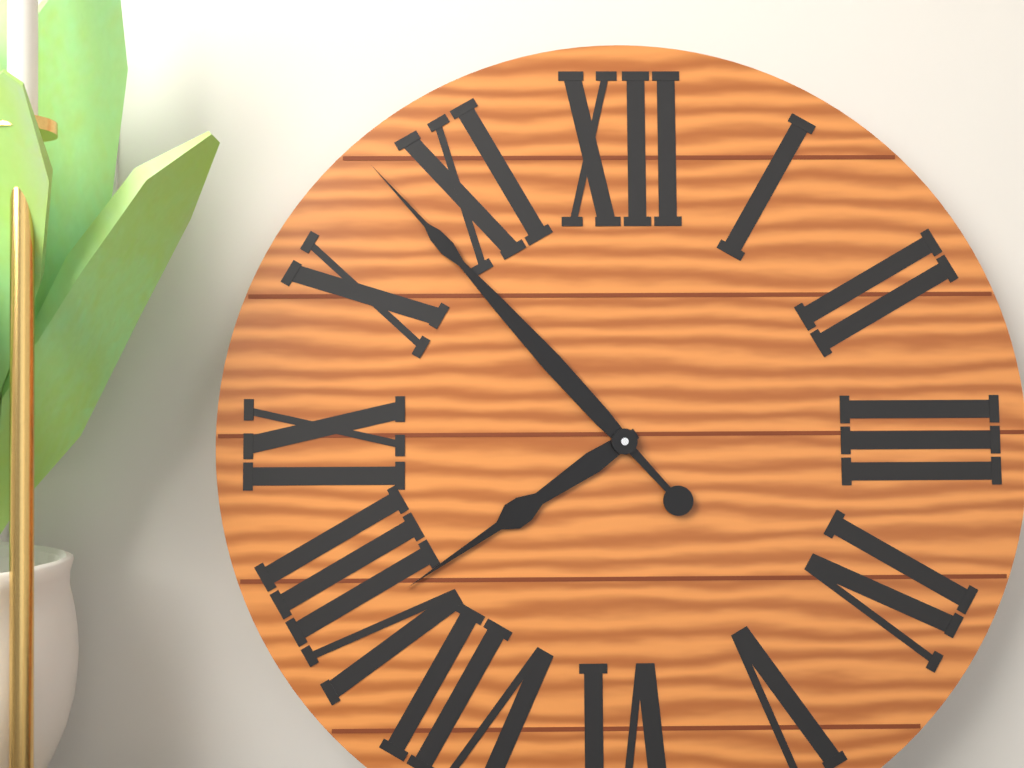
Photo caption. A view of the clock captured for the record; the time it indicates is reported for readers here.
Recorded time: 7:53
